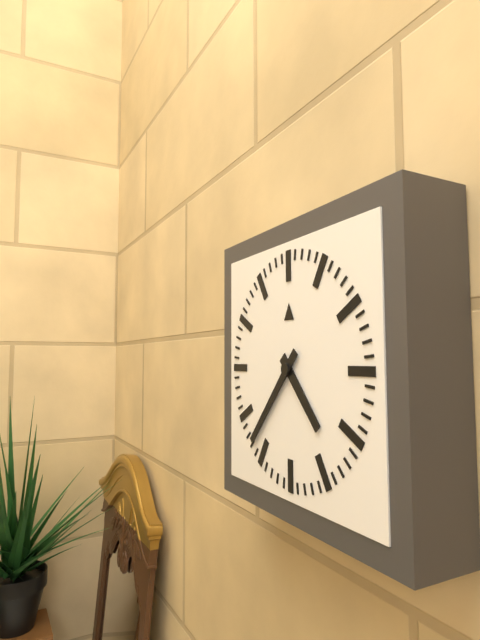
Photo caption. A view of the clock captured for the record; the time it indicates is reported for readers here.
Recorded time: 4:37
